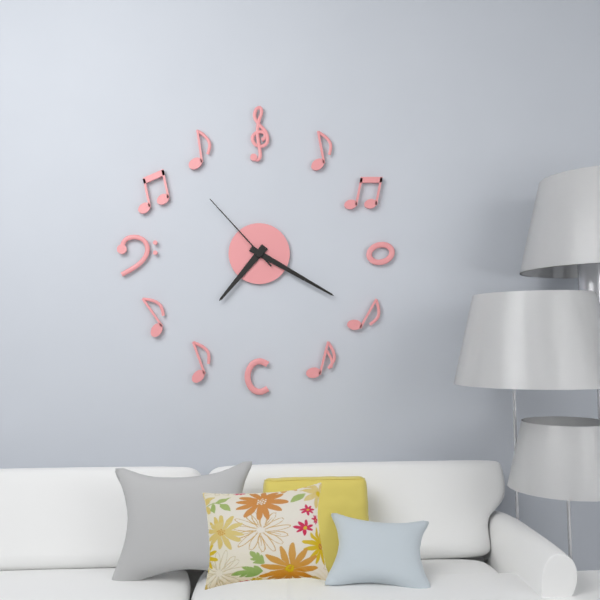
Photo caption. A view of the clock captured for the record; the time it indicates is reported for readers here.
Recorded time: 7:20:53
